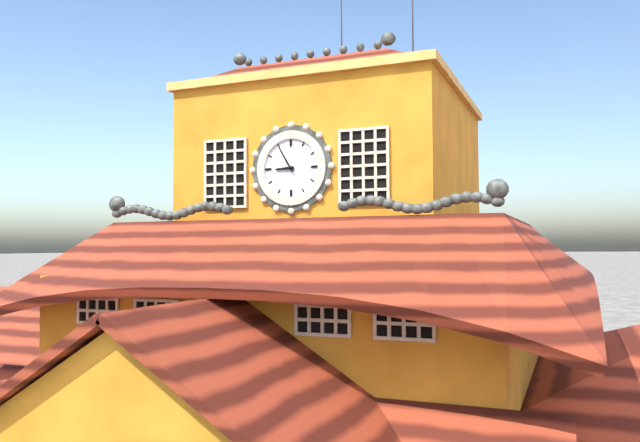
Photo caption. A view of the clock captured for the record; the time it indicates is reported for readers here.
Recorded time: 8:55
